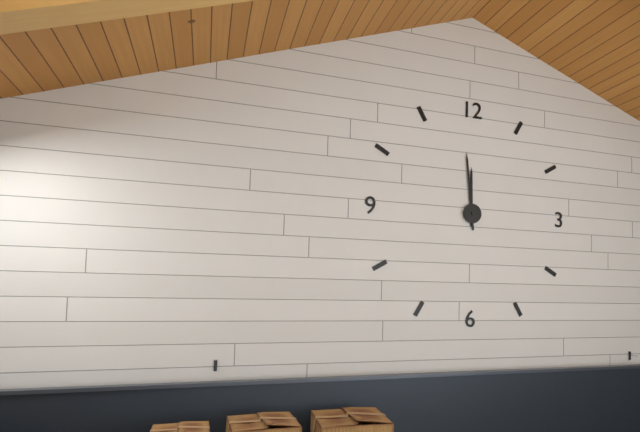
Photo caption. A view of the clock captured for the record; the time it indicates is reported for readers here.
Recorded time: 11:59
